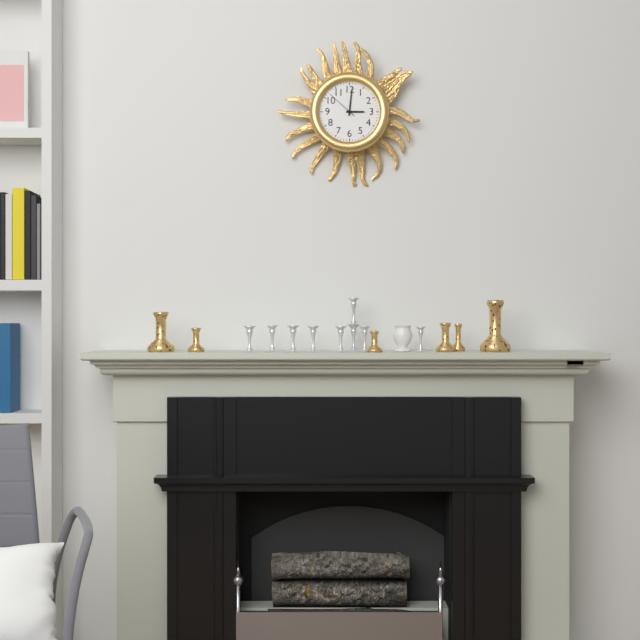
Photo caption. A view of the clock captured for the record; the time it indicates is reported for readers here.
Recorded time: 3:01
